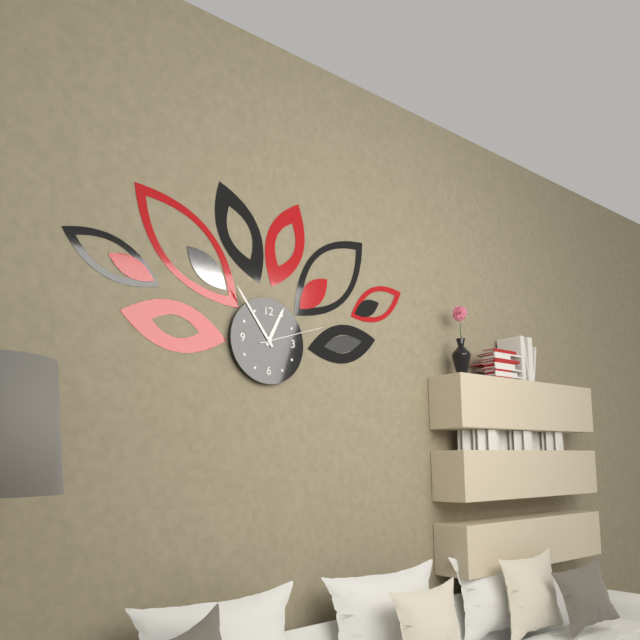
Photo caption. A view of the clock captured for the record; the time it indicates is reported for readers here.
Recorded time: 12:54:12
